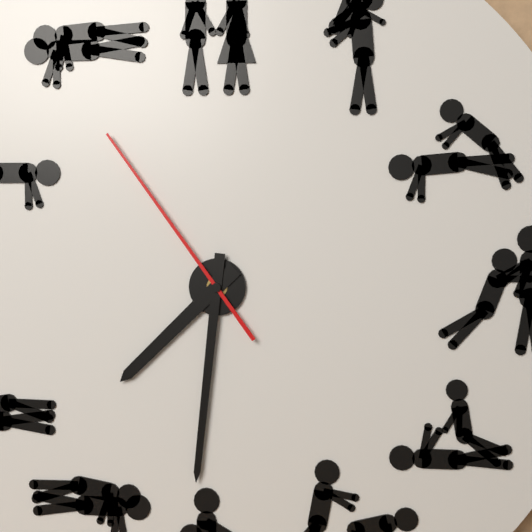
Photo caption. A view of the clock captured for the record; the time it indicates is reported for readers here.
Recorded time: 7:31:54
